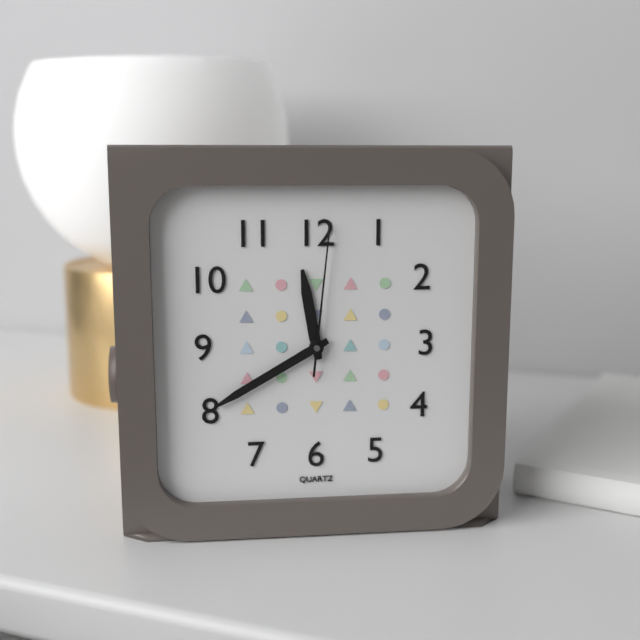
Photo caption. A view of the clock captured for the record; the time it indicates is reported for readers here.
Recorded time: 11:40:01
